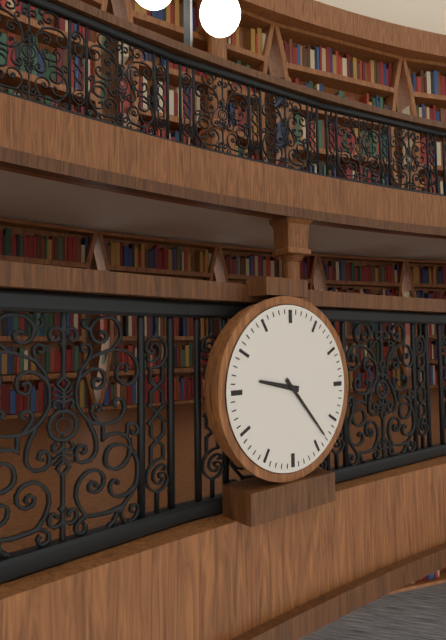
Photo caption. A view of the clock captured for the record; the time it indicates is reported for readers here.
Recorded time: 9:23
